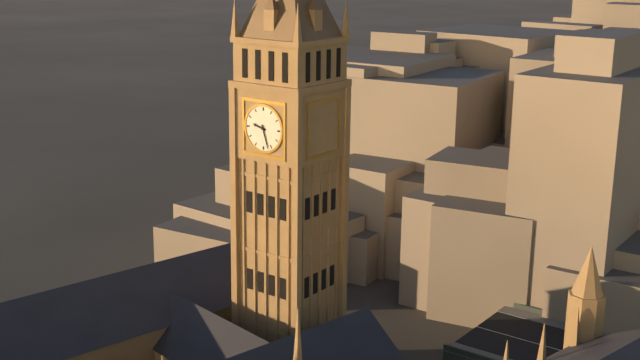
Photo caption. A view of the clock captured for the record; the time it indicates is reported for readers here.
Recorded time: 9:27
